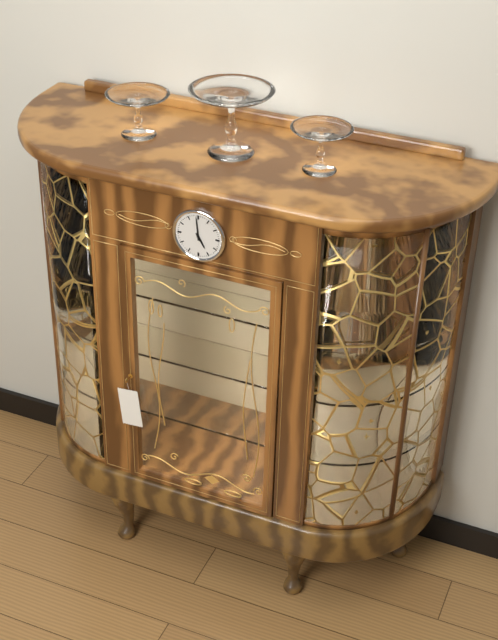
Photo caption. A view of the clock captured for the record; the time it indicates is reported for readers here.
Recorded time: 4:59
